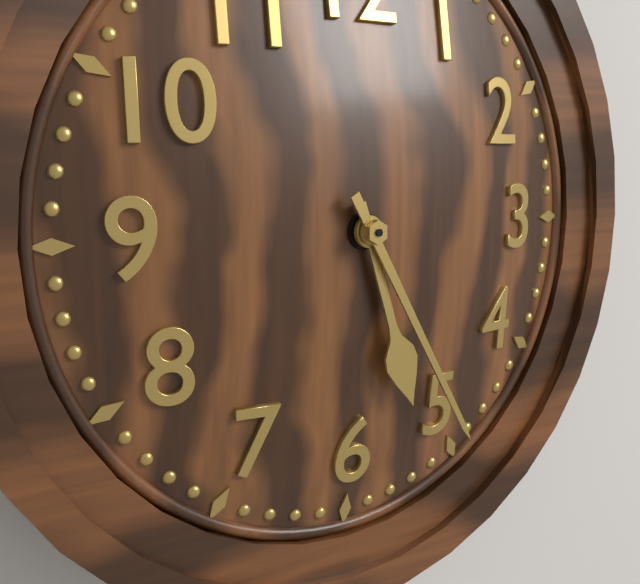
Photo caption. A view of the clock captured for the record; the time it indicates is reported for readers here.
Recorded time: 5:25
